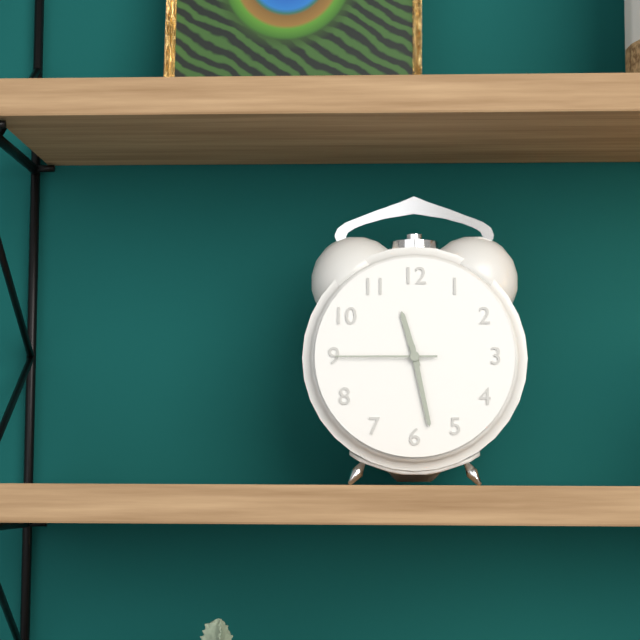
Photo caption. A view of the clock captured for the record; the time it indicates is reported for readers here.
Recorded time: 11:28:45
